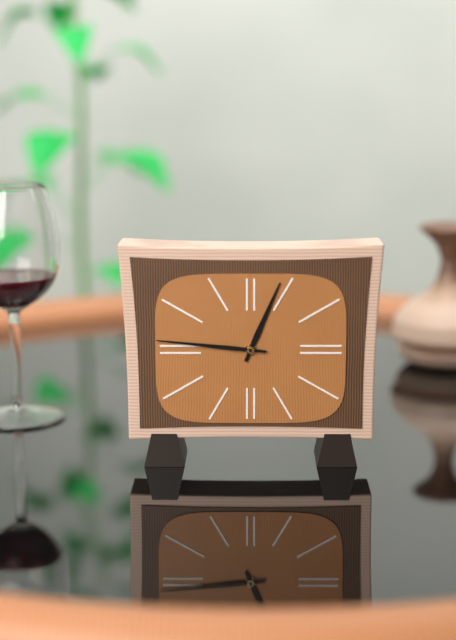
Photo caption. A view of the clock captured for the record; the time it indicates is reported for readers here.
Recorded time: 12:46
